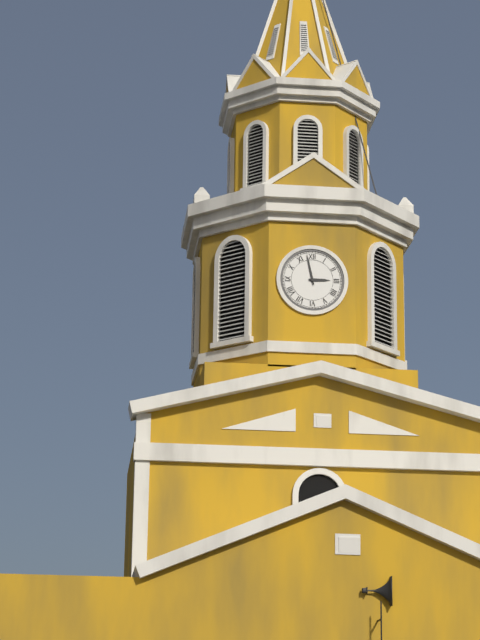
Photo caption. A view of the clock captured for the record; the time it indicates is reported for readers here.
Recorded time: 2:58
